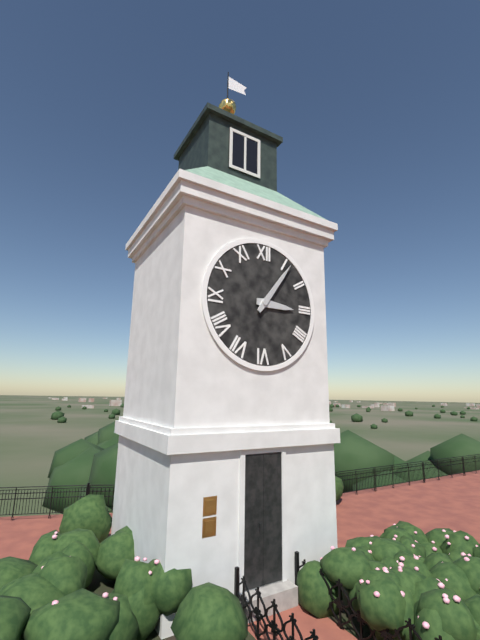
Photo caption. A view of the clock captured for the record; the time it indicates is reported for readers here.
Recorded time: 3:06
